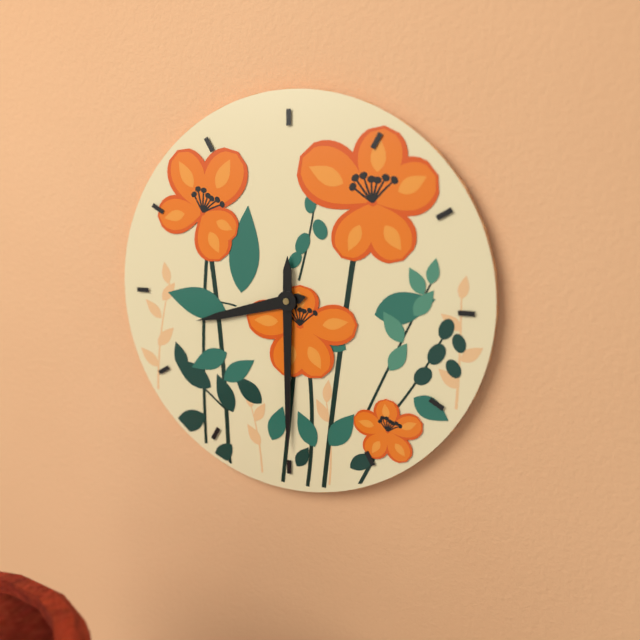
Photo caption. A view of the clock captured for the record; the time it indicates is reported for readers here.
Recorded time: 8:30
